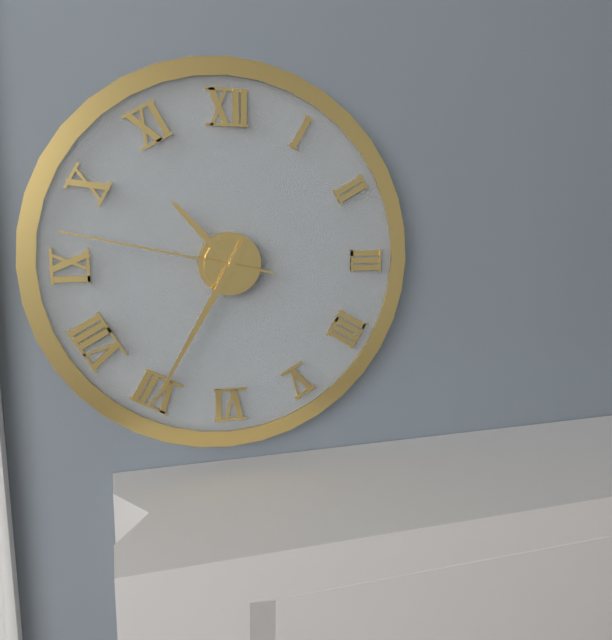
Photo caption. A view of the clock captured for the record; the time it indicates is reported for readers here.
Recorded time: 10:35:47
